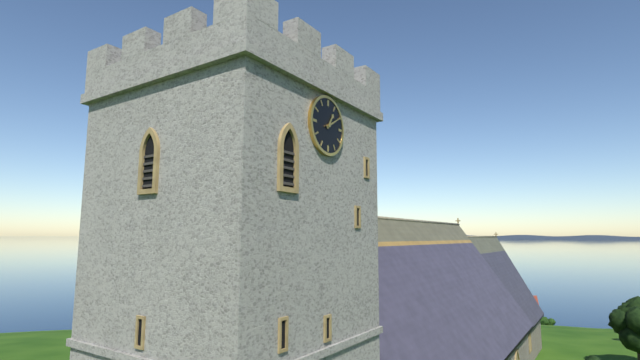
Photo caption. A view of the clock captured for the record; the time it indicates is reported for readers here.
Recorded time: 1:10
